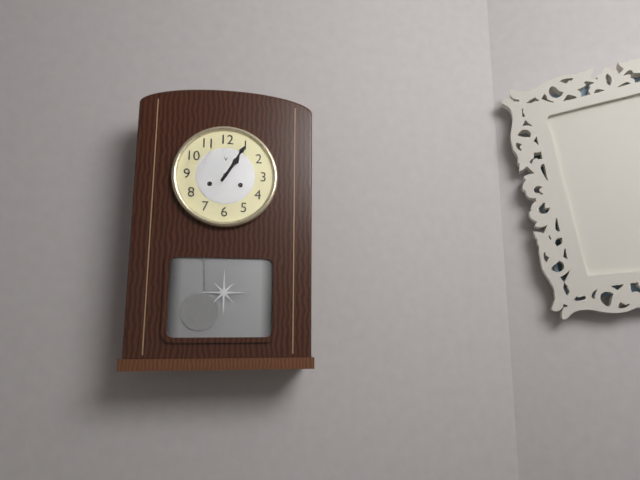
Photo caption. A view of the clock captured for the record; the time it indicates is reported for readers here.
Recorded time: 1:05
